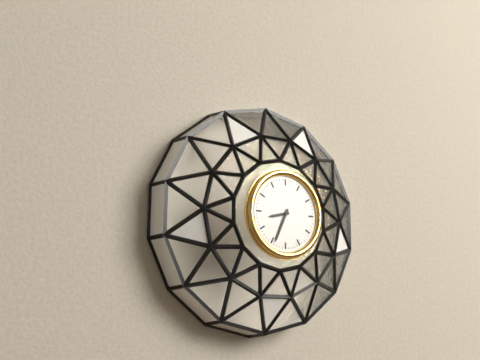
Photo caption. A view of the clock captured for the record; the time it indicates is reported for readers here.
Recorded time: 8:34
